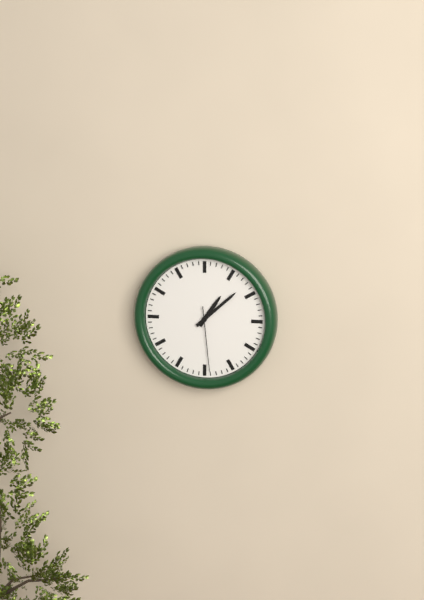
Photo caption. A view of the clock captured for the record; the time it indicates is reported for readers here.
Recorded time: 1:08:29
